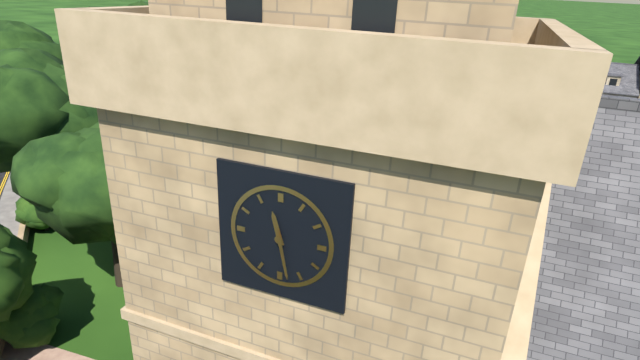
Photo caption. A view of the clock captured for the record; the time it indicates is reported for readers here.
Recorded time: 11:28
